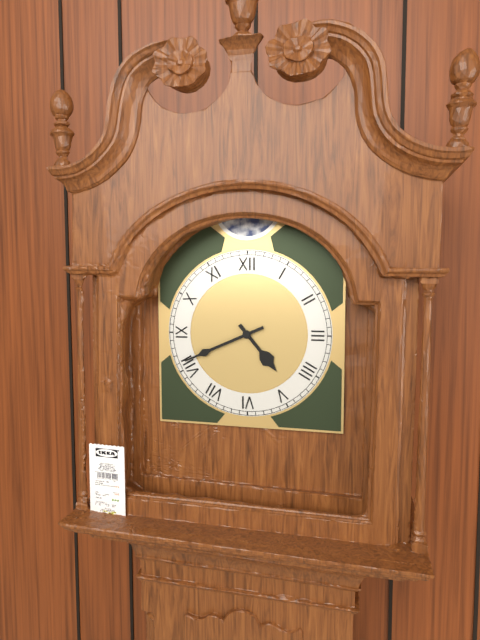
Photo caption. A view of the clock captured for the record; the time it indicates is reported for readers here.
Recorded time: 4:41
